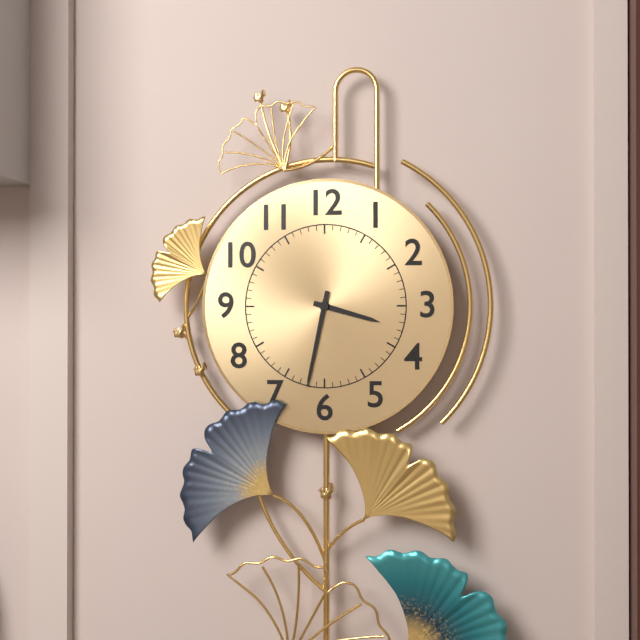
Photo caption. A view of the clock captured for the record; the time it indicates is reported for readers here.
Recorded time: 3:32
